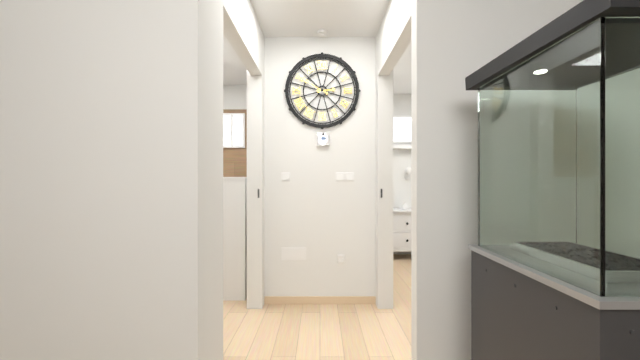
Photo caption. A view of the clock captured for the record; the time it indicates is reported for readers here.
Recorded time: 2:50
